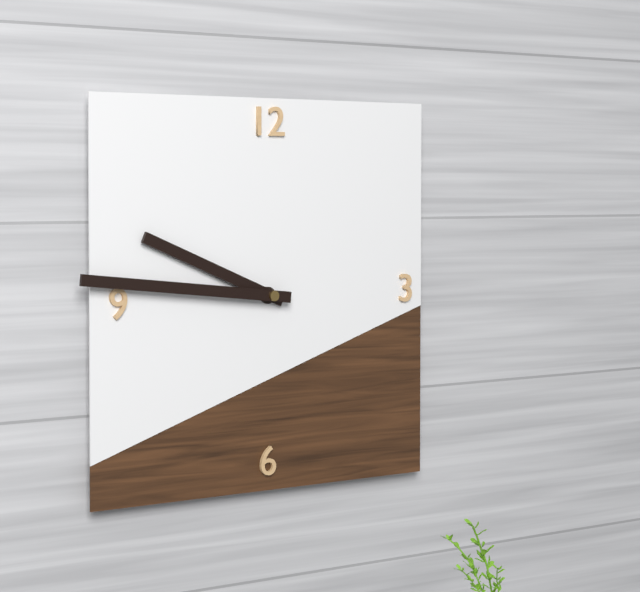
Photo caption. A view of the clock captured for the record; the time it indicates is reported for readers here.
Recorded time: 9:46
